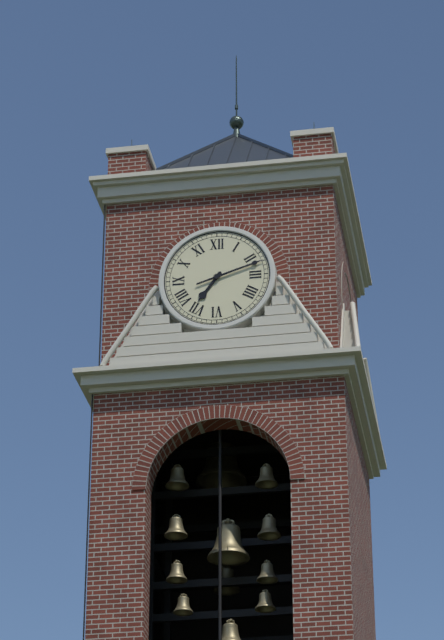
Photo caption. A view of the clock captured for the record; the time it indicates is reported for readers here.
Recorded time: 7:12
